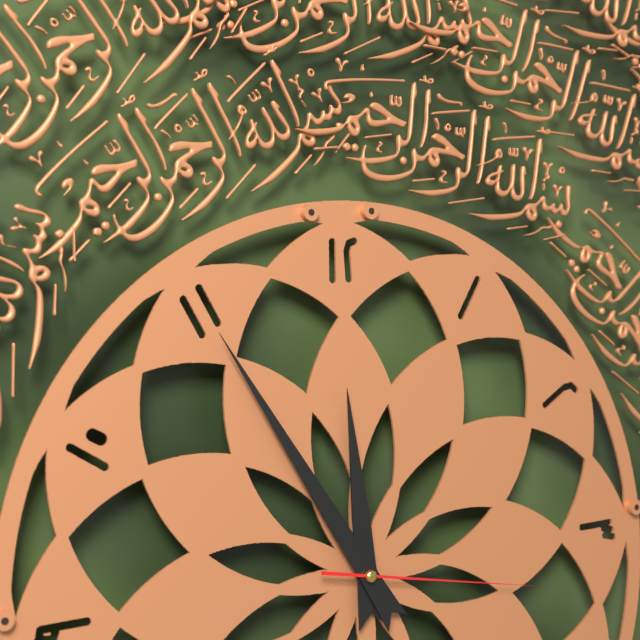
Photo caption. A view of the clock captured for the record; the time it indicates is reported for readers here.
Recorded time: 11:55:17
